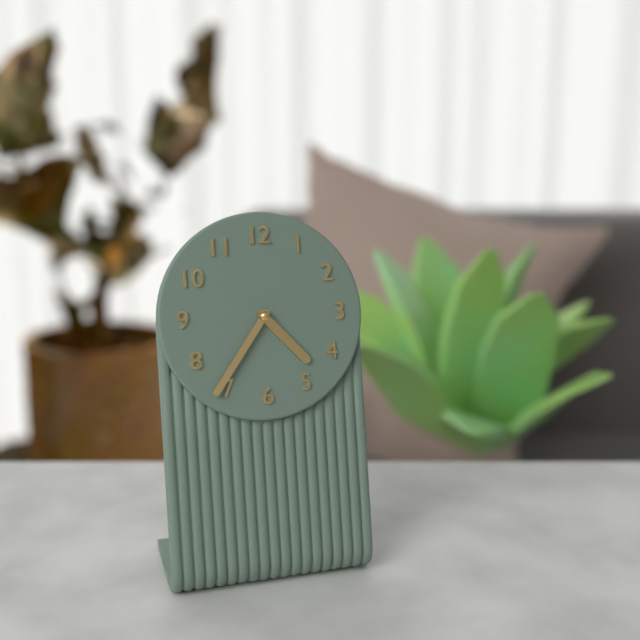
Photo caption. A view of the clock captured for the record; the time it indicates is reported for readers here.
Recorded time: 4:36
